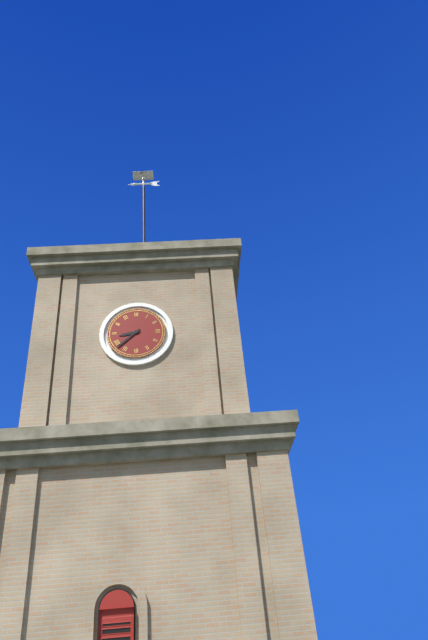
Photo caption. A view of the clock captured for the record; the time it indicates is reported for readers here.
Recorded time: 8:38
